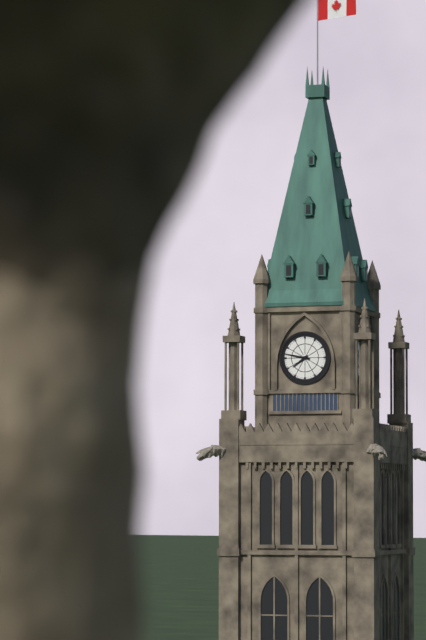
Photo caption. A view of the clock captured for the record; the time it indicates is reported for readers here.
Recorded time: 7:47
